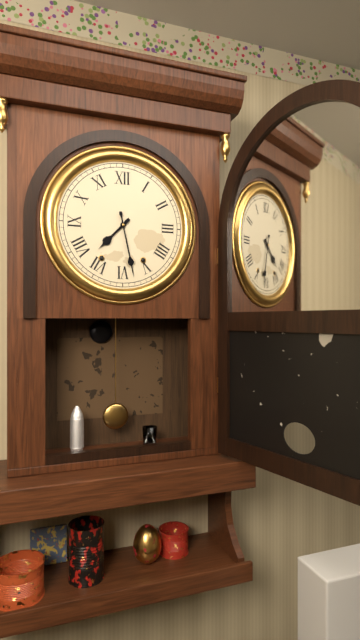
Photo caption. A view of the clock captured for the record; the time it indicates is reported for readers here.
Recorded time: 7:28
